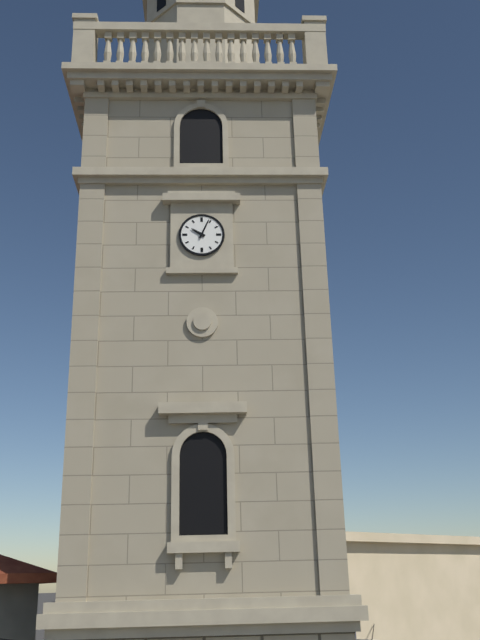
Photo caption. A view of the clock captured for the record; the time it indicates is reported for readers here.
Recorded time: 10:04
